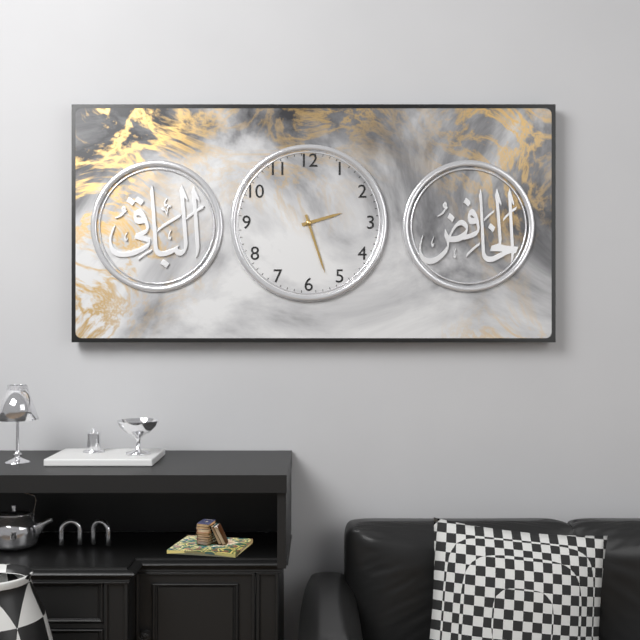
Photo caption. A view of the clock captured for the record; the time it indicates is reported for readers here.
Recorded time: 2:27
